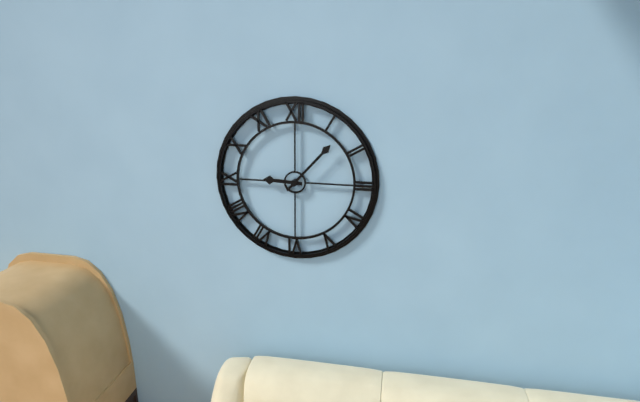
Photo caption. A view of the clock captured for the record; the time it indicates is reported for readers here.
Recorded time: 9:07
